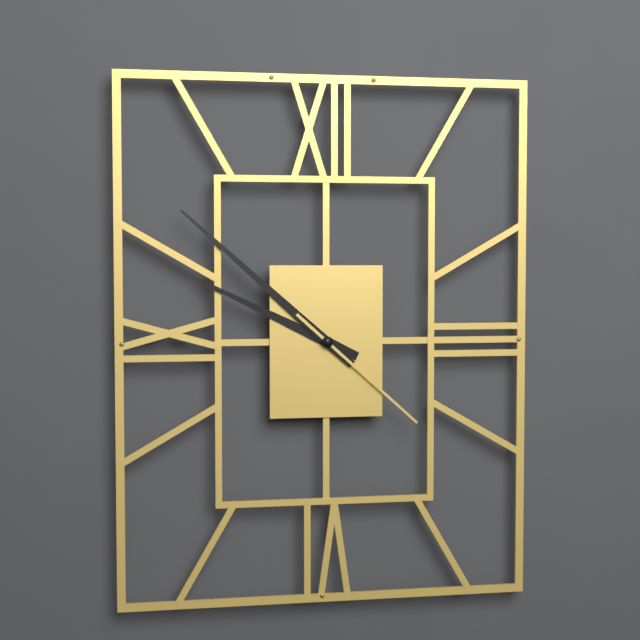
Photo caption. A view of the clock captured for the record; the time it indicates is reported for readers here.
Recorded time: 9:52:22
